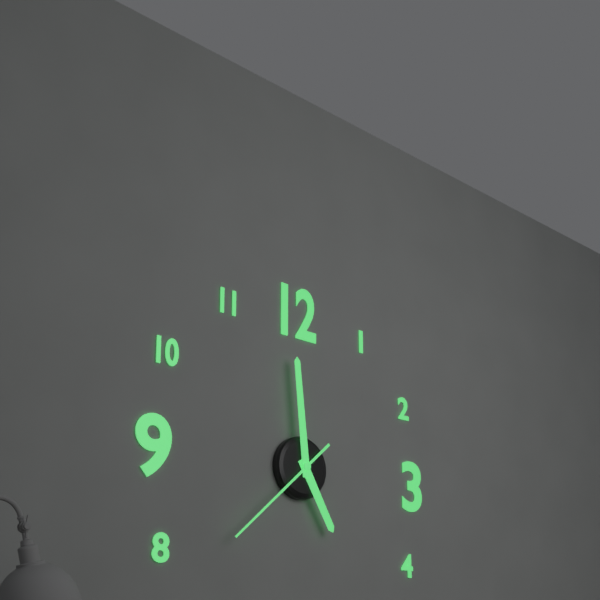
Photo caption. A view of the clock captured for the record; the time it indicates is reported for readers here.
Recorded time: 4:59:38
